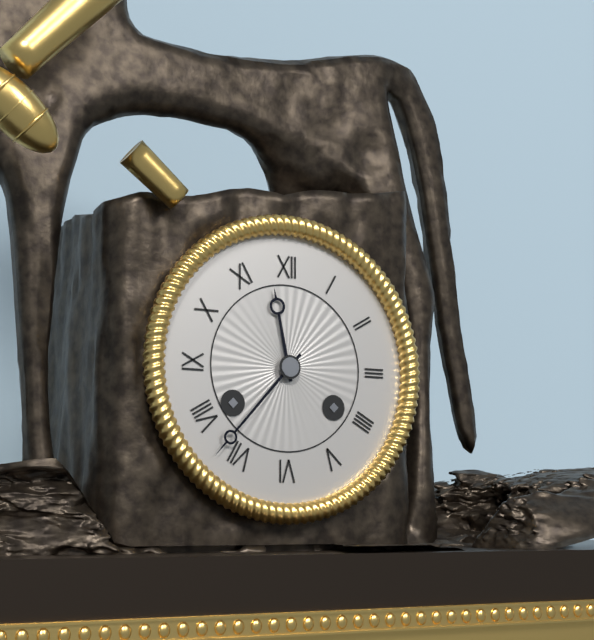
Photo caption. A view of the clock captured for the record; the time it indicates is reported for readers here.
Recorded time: 11:37
